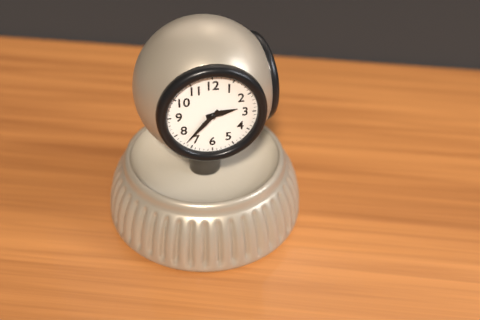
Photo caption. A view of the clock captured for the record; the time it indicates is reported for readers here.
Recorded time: 2:37
